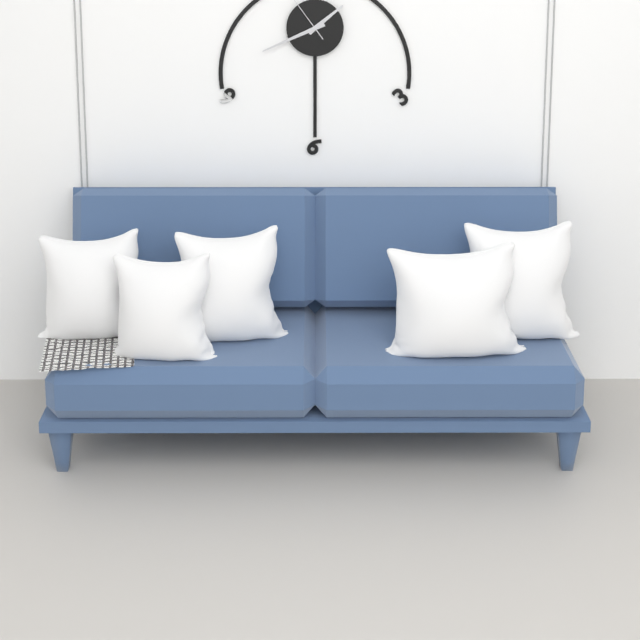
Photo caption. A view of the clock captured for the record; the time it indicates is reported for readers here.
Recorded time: 1:41
